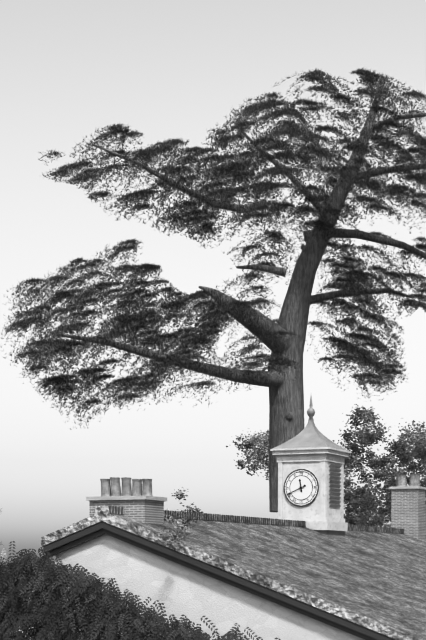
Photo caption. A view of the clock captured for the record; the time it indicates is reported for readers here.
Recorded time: 11:41
